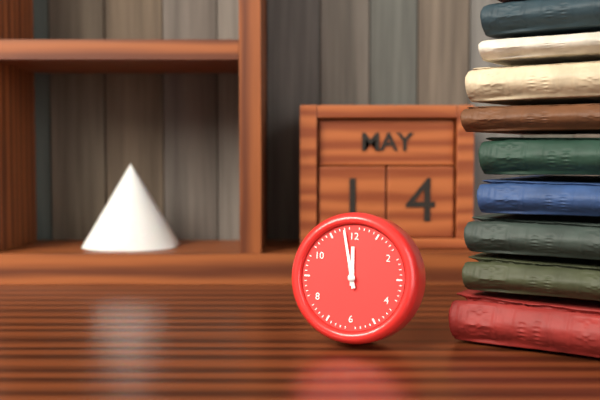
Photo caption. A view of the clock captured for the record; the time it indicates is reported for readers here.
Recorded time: 11:58
